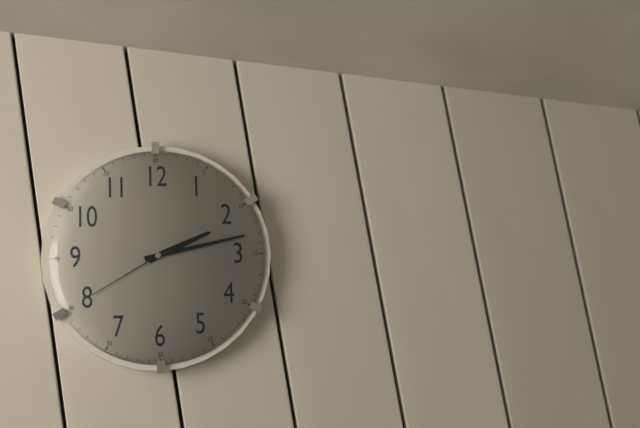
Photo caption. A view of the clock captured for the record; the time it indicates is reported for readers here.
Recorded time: 2:13:40
